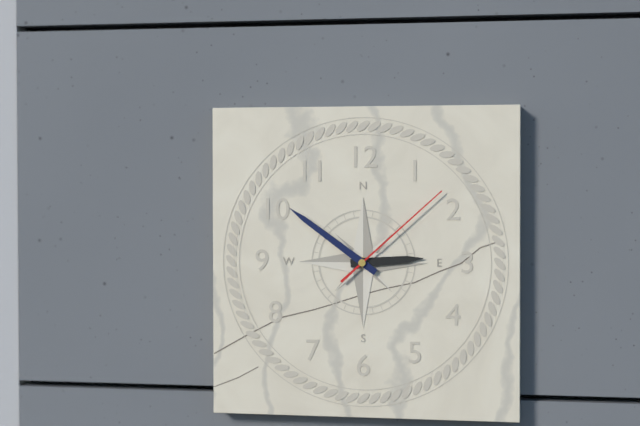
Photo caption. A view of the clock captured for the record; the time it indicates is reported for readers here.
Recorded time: 2:51:08
